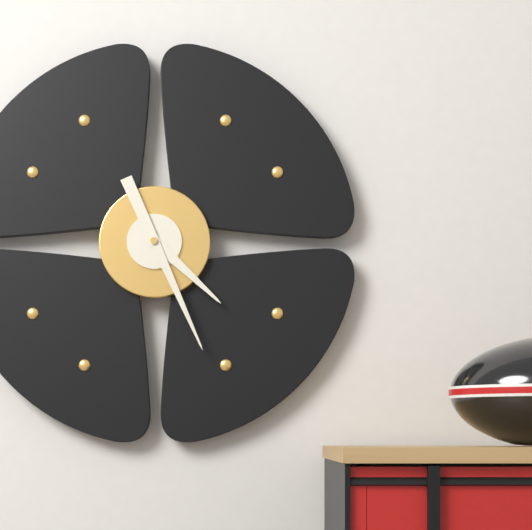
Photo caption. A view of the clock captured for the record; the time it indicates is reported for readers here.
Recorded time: 4:26
